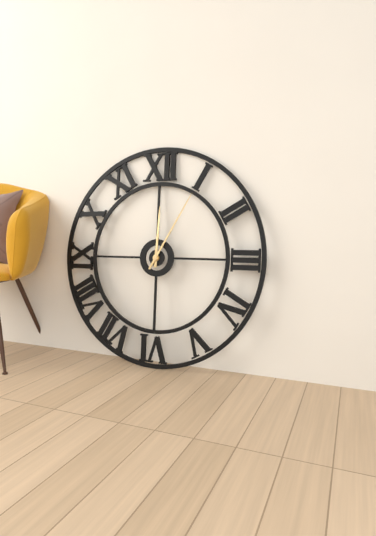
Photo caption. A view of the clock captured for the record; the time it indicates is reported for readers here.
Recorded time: 12:05
